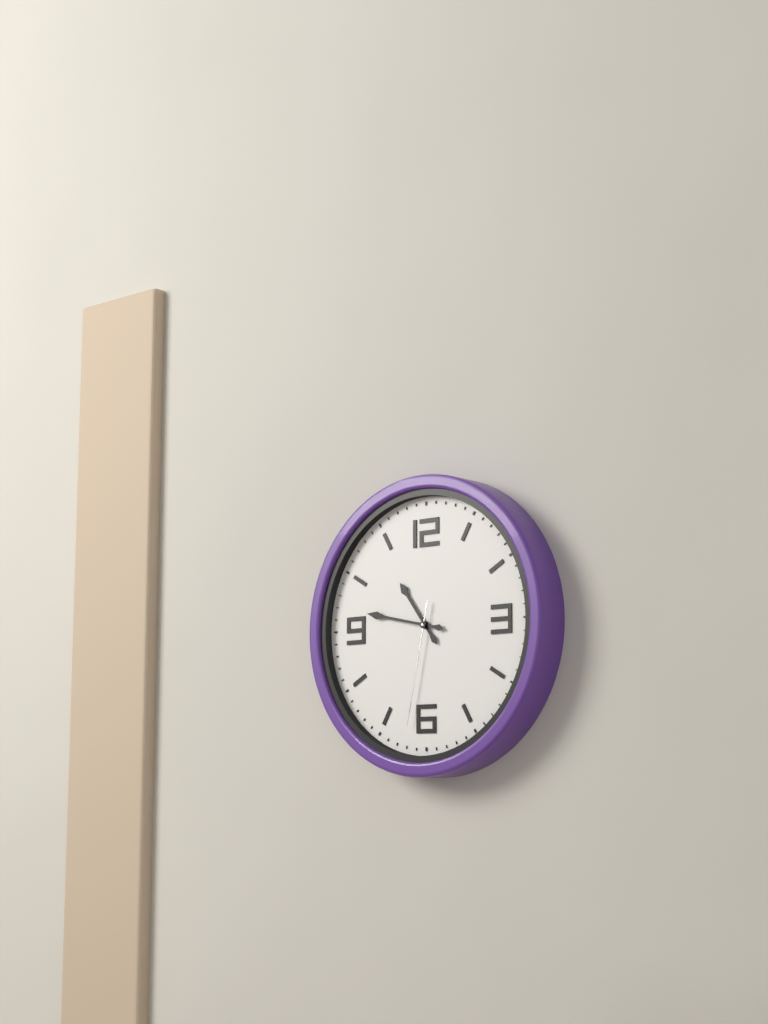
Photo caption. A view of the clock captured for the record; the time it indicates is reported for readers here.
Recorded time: 10:47:32
